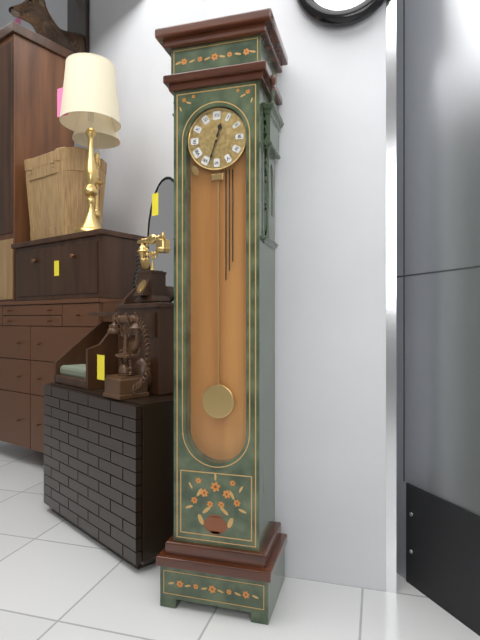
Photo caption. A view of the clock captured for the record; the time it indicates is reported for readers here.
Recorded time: 12:33
